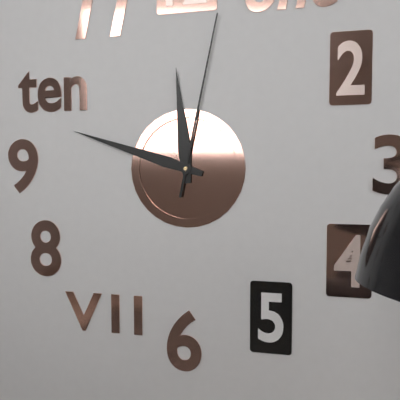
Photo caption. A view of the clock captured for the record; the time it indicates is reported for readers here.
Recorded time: 11:48:02
